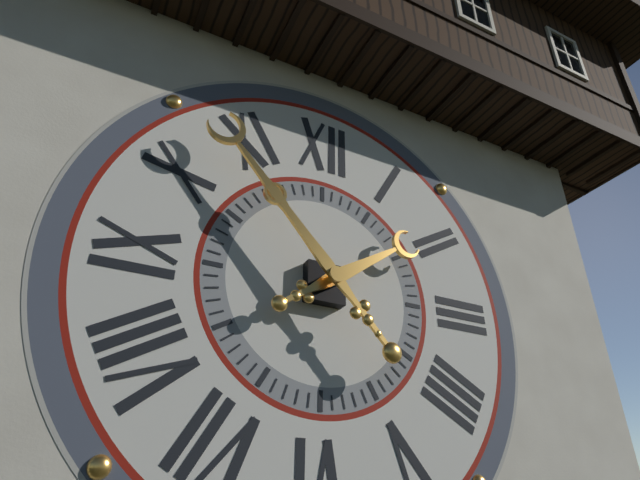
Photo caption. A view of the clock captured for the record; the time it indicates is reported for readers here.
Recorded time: 1:53
